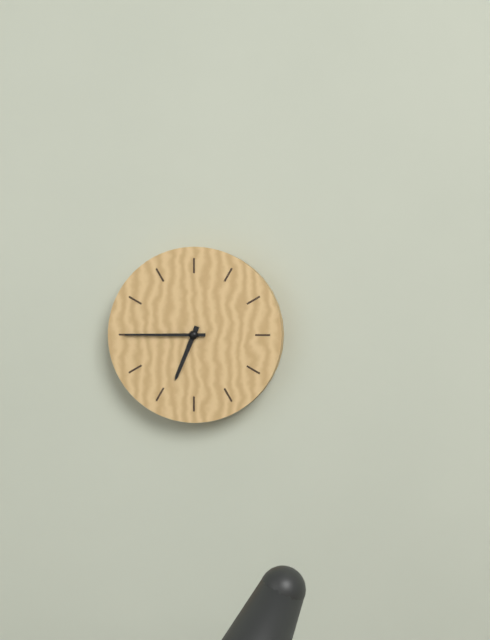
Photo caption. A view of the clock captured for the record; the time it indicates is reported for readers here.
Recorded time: 6:45
